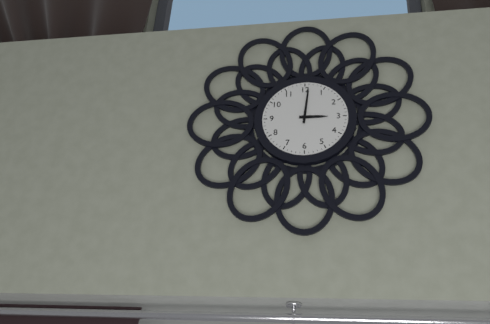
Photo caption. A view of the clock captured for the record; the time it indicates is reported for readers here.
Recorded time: 3:01
